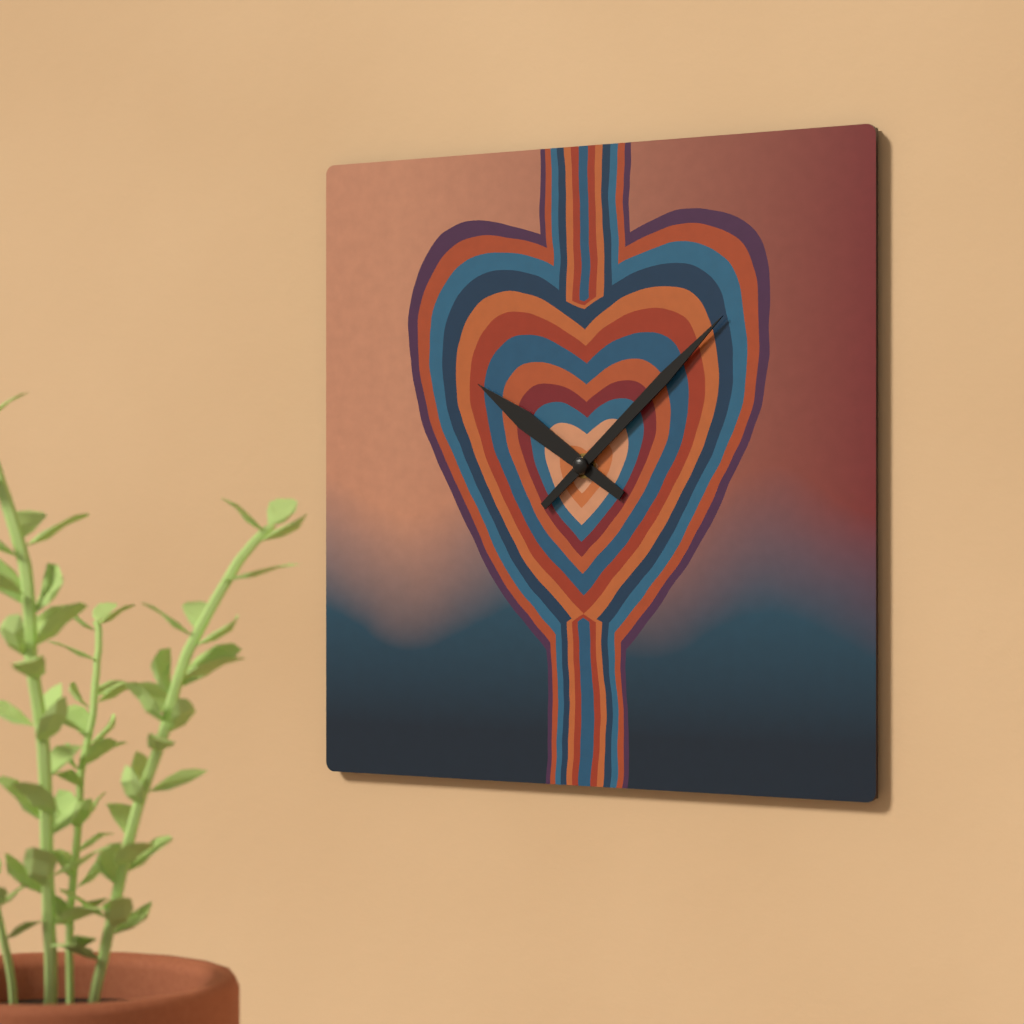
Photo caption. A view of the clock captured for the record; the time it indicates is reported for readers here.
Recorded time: 10:08
